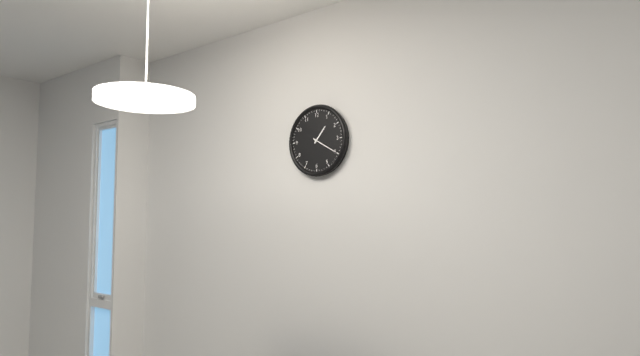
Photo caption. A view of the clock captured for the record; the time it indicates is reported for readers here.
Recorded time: 1:20
